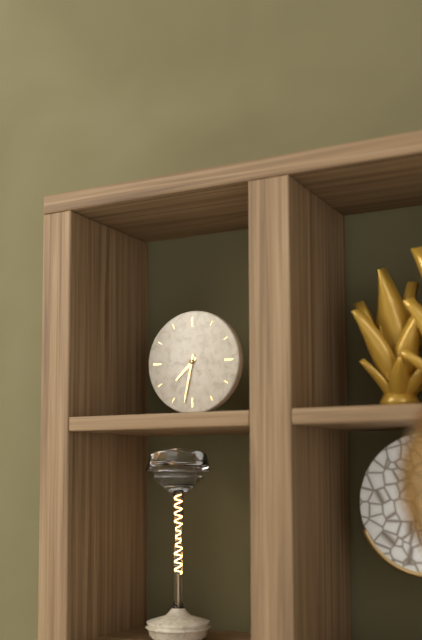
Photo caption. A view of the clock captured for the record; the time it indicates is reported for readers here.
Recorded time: 7:32
